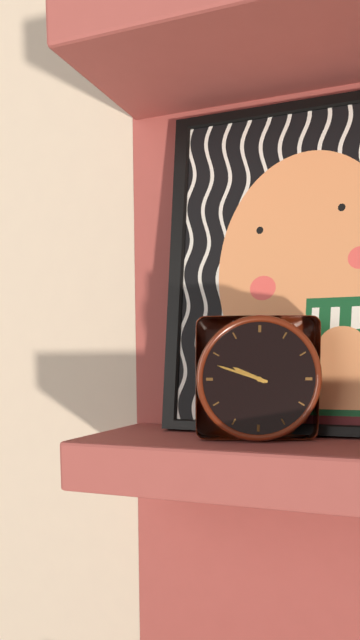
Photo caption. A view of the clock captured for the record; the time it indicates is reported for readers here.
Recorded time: 9:48
